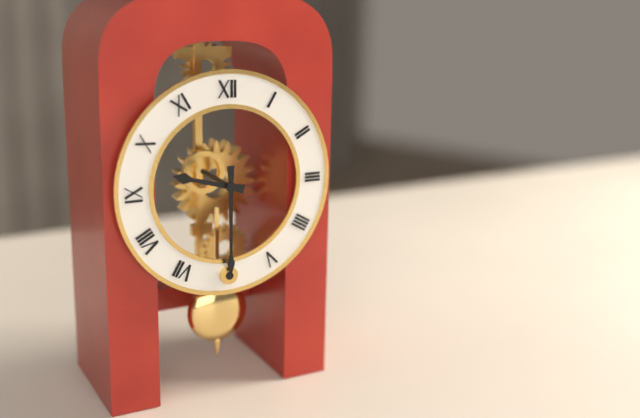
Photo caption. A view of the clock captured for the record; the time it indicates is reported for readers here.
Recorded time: 9:30
